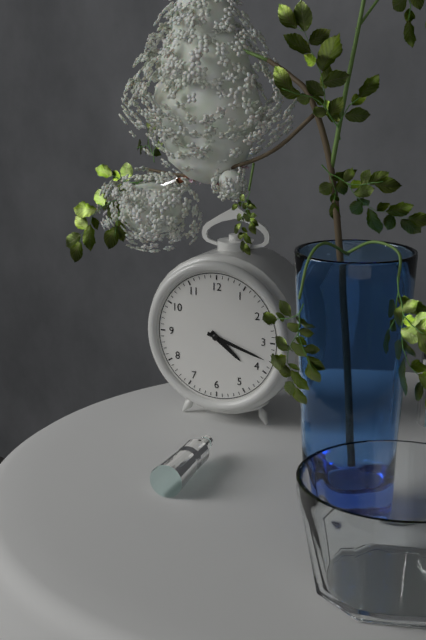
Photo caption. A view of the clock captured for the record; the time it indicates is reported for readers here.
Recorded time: 4:18
